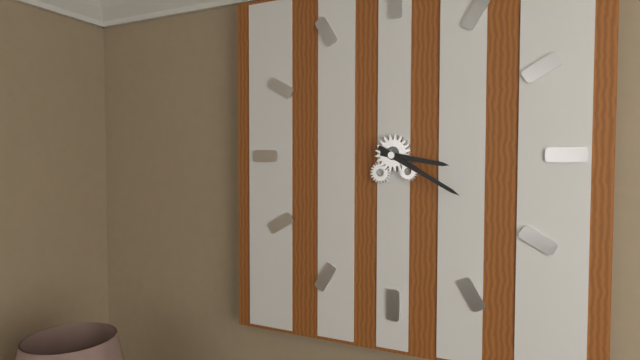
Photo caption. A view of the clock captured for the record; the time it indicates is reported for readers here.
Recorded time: 3:20
